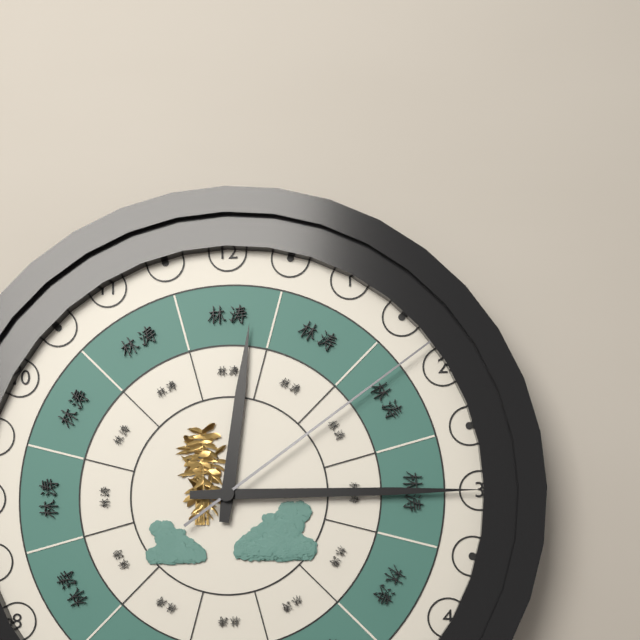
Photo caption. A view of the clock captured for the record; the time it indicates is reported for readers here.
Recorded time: 12:15:09
